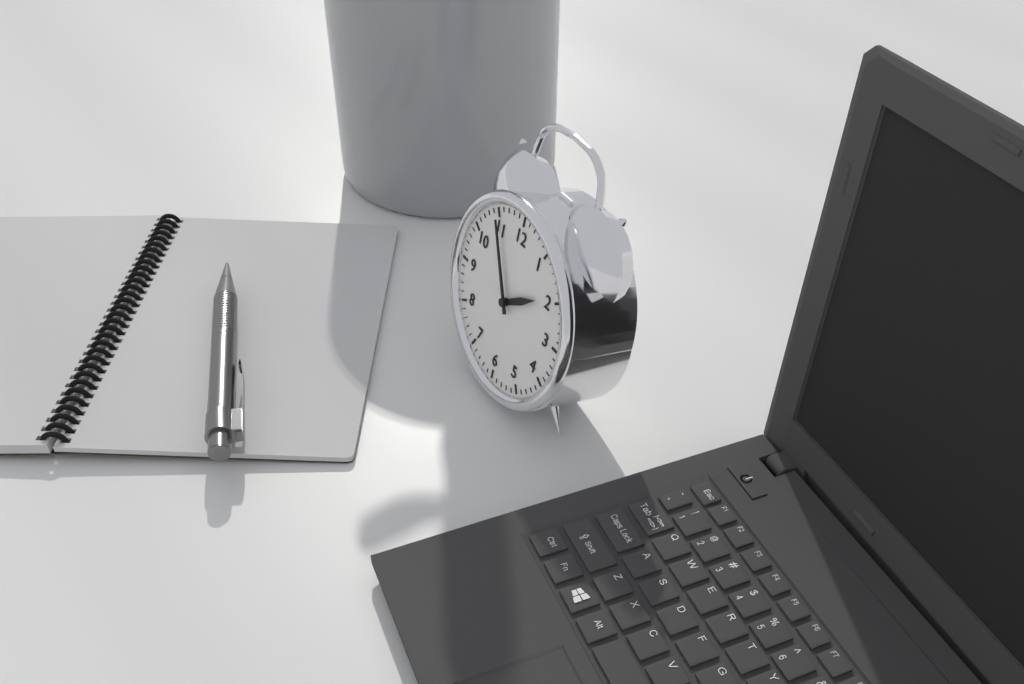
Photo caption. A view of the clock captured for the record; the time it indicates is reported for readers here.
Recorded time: 1:55
